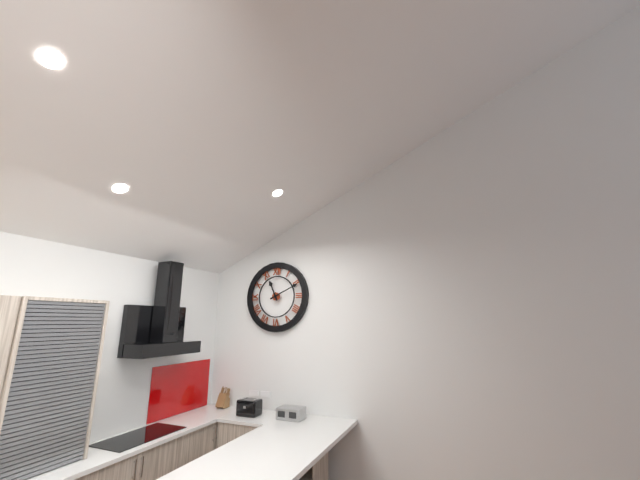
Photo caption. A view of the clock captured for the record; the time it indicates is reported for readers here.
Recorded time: 11:11
